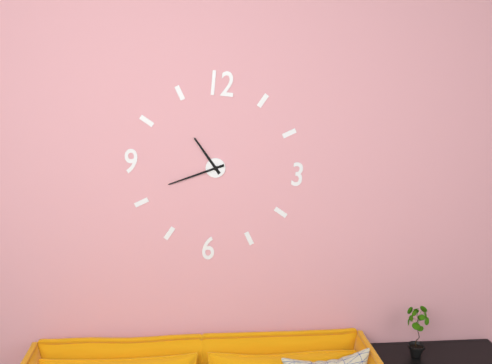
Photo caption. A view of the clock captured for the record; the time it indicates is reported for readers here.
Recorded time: 10:41
